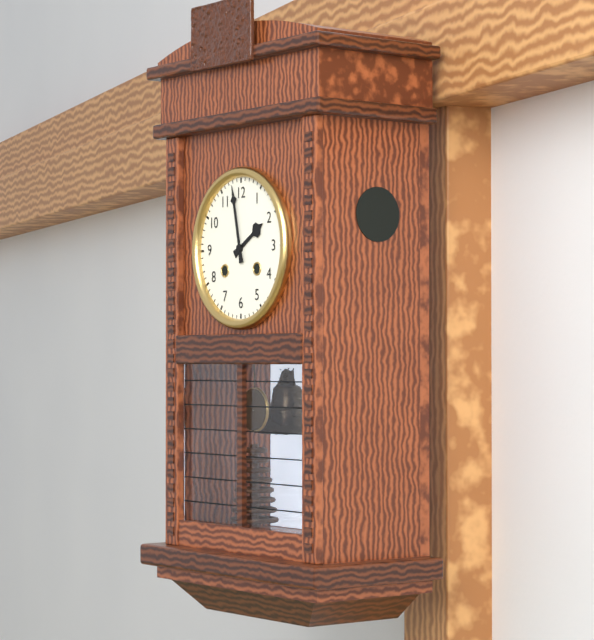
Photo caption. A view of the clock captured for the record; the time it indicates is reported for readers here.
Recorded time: 1:58
